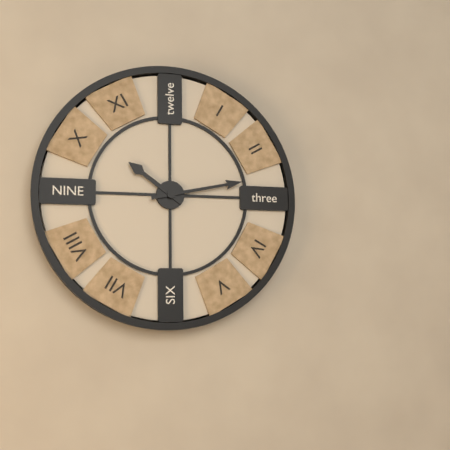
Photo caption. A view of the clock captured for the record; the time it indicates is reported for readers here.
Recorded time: 10:13
